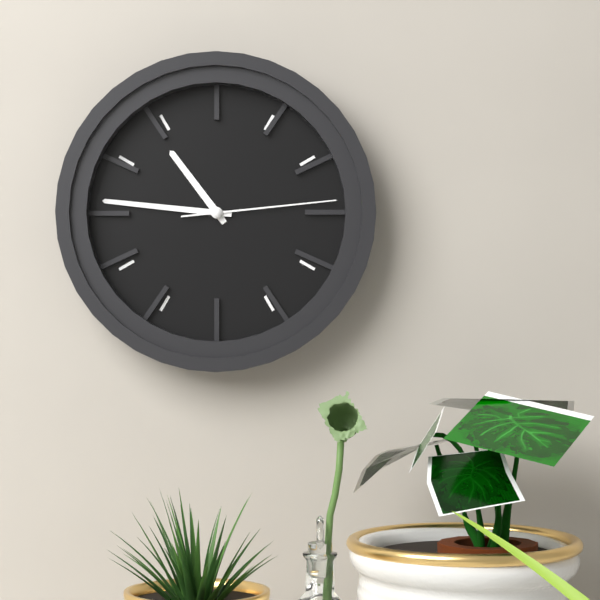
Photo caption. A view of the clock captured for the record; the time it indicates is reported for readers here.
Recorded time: 10:46:14
